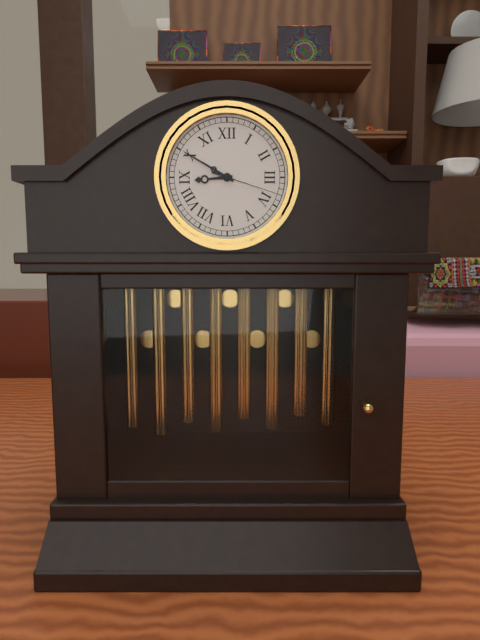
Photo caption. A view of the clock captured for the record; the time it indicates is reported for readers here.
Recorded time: 8:50:18
